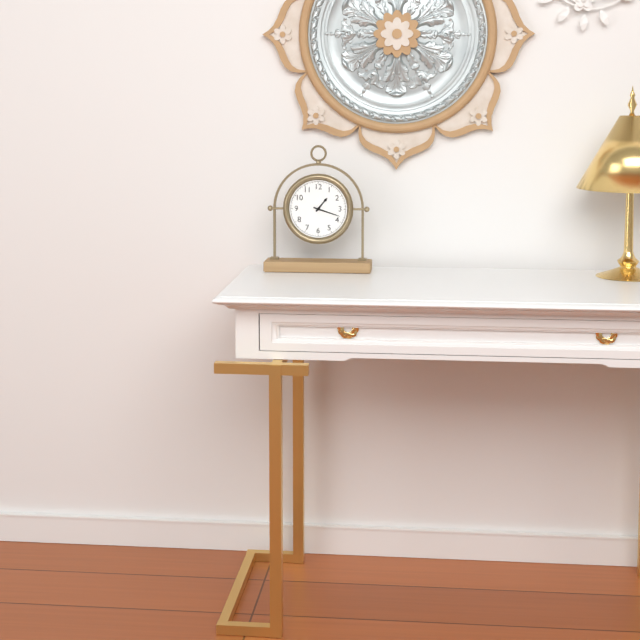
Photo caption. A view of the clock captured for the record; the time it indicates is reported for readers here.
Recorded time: 1:18
